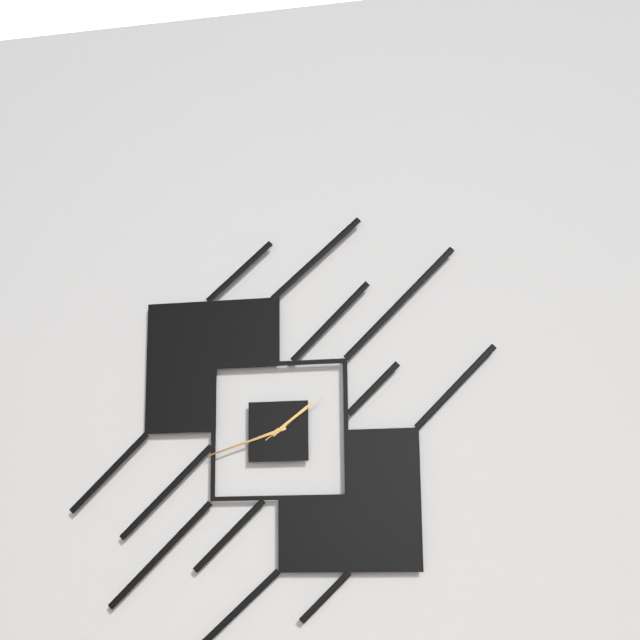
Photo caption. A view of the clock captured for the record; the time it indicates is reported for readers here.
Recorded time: 1:42:09
